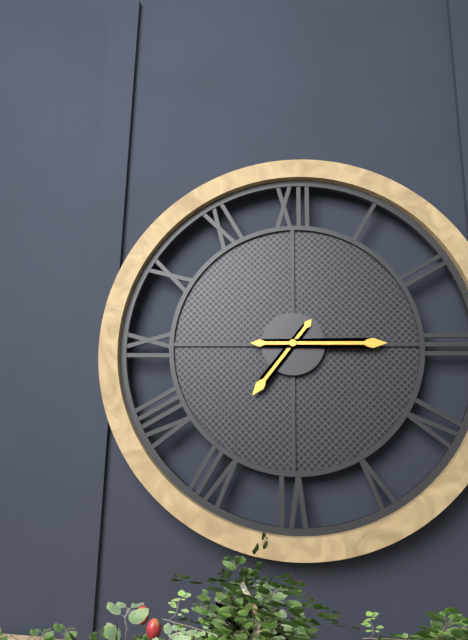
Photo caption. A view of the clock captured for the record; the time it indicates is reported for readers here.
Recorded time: 7:15
